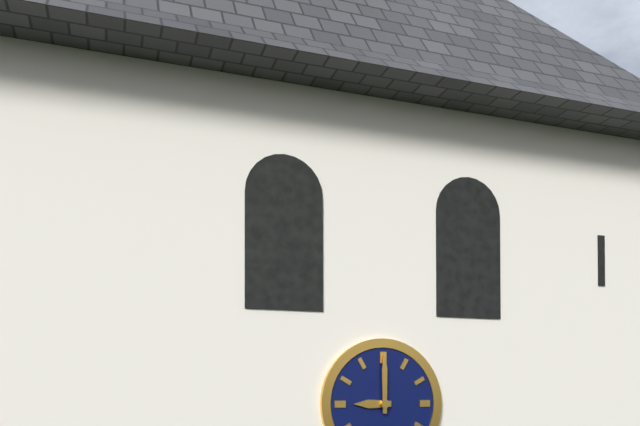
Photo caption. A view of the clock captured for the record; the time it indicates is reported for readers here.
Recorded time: 9:00
